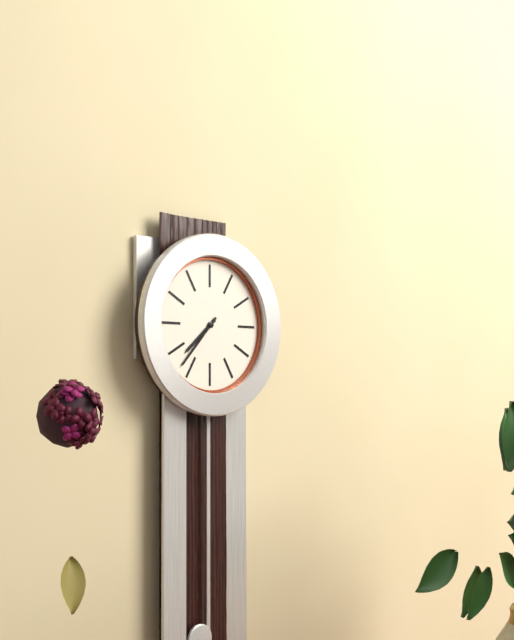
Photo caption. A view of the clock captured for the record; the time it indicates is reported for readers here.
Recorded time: 7:37
